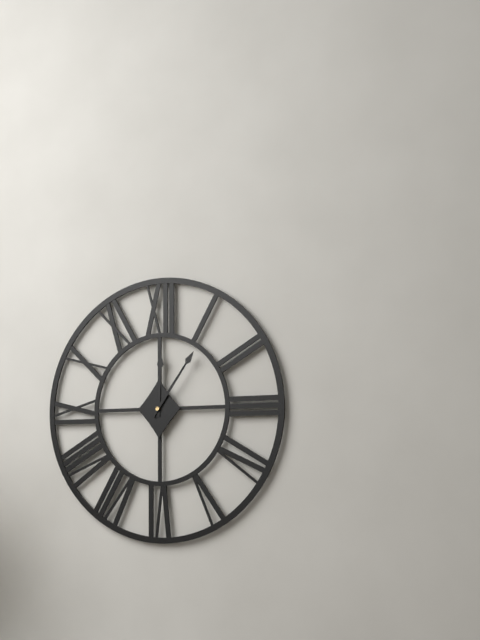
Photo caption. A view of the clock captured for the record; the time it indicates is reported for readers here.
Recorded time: 12:06
